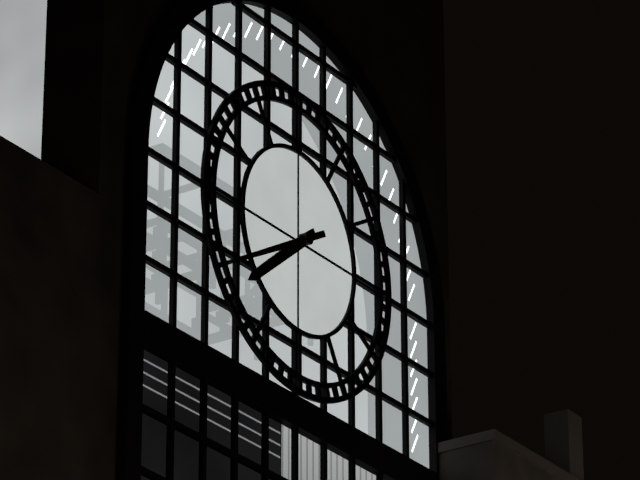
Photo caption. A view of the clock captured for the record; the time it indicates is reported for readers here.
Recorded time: 7:40
